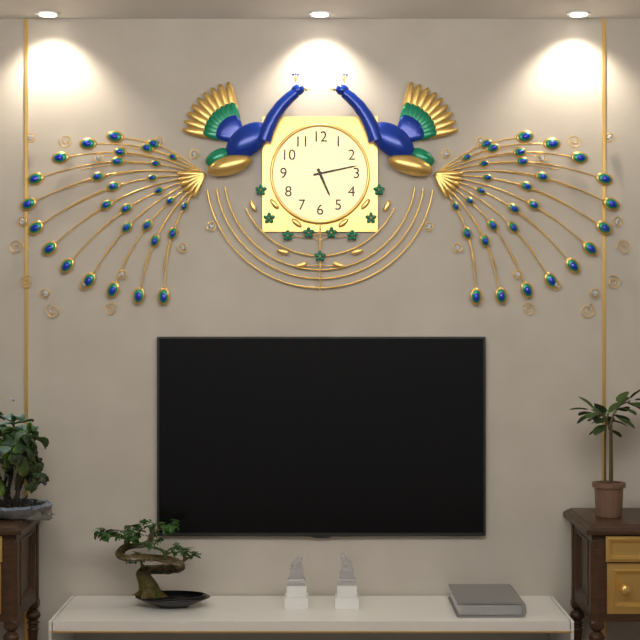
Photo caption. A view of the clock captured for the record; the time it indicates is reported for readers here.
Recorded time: 5:13
